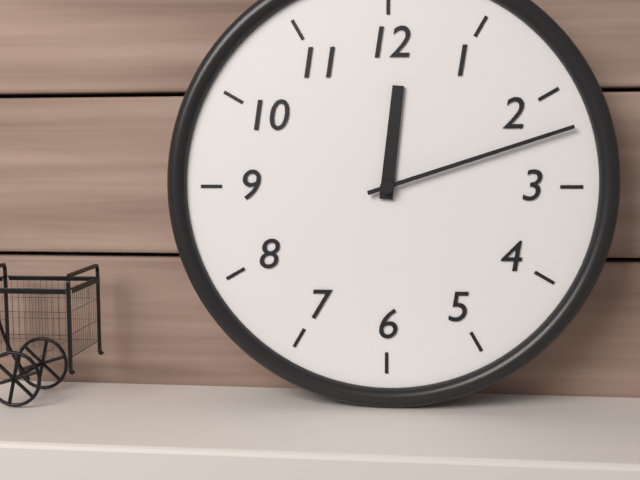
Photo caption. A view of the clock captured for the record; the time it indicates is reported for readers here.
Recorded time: 12:12
